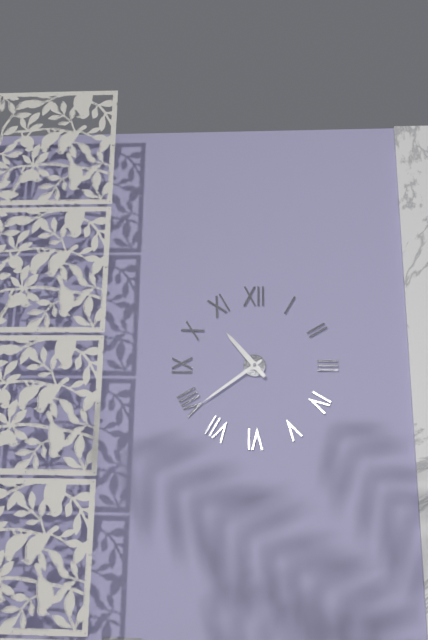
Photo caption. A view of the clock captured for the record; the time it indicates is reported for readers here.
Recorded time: 10:39
